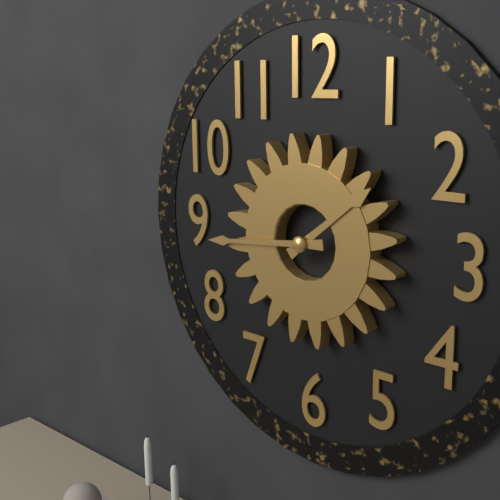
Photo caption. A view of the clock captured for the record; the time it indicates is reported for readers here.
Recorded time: 1:44
